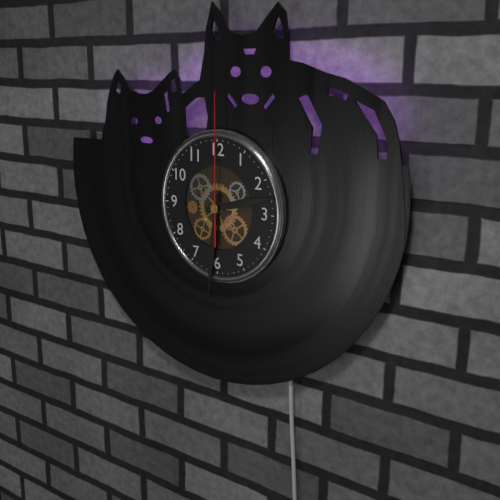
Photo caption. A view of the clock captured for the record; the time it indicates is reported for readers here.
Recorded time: 2:31:00
